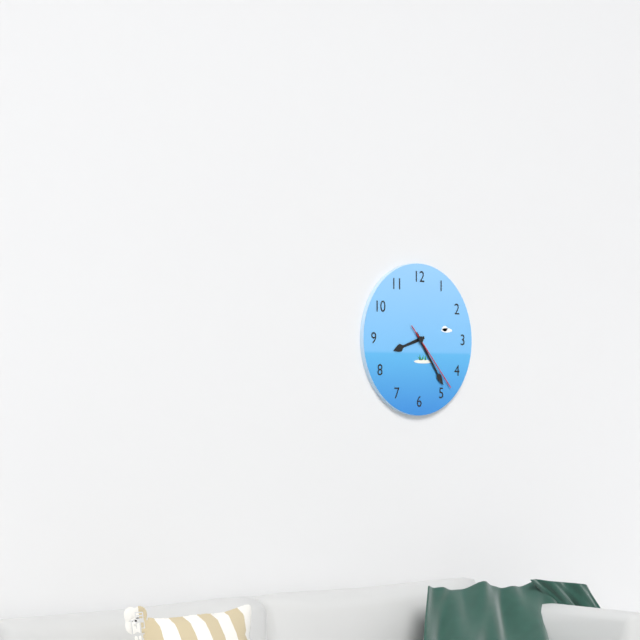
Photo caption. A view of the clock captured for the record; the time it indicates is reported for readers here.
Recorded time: 8:24:23
